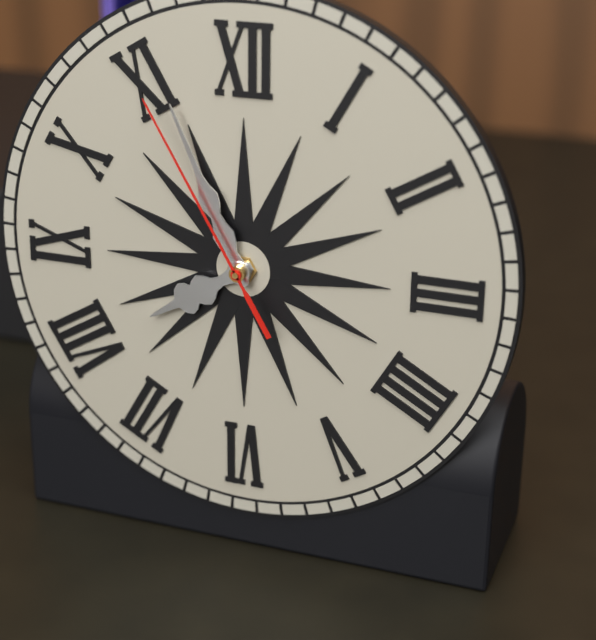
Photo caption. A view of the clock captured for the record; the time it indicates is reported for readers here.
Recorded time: 7:56:55
